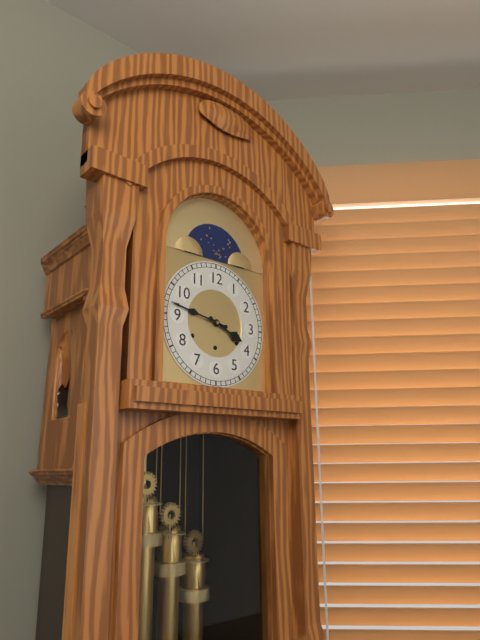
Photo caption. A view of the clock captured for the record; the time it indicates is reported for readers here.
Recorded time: 3:47
